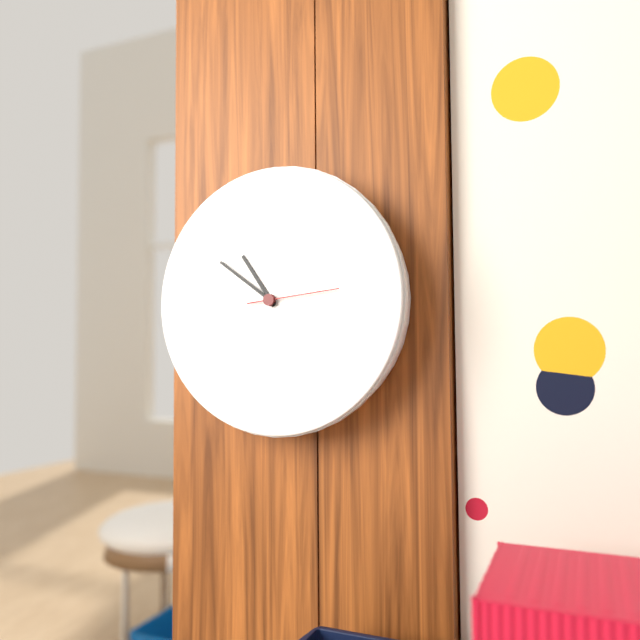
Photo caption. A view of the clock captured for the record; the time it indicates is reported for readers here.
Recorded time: 10:51:14
